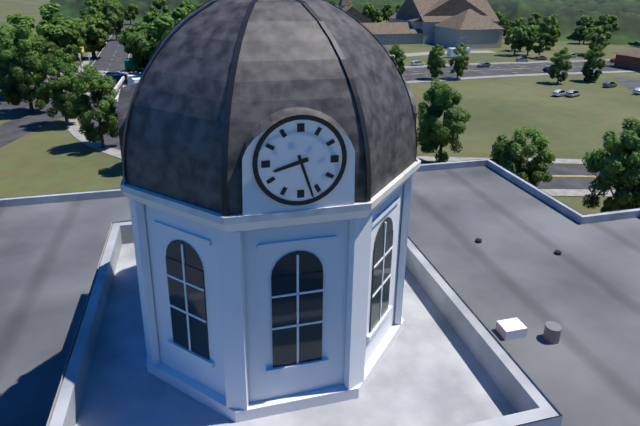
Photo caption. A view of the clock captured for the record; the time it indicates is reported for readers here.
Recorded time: 8:27
